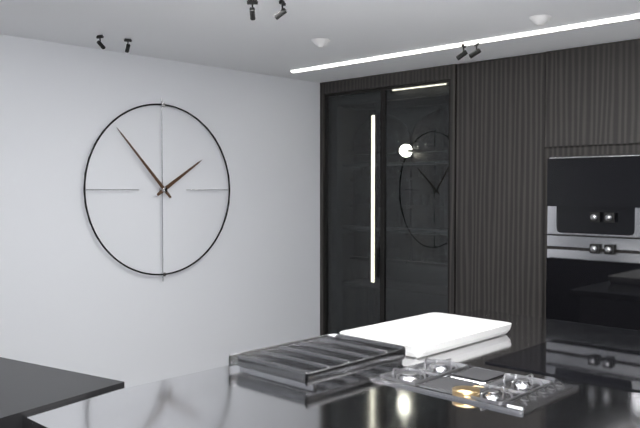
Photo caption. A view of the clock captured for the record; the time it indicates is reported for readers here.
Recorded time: 1:53
